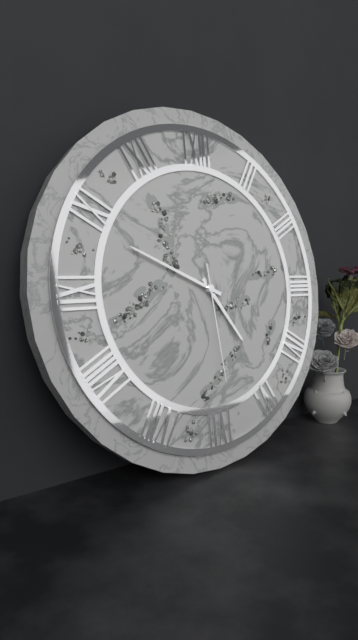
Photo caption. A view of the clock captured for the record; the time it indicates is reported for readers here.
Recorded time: 4:49:29
